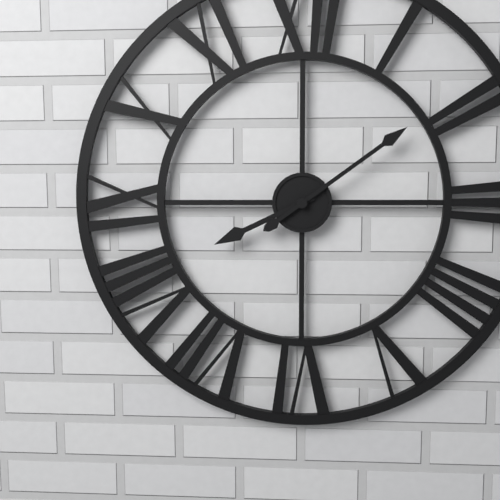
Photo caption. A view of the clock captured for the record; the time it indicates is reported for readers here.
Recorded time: 8:09
